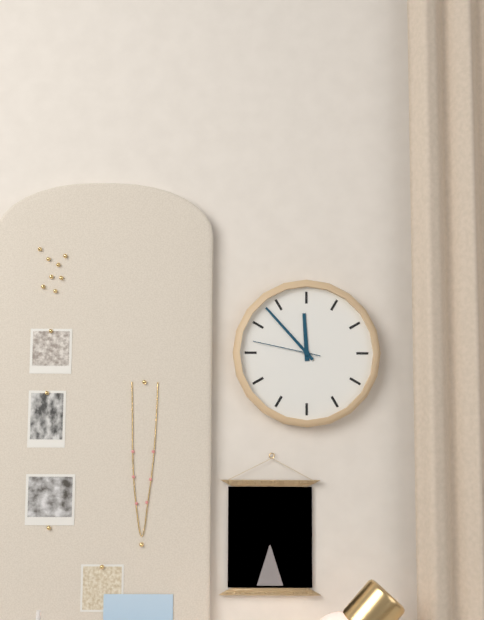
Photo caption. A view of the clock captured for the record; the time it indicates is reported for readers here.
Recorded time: 11:53:47
